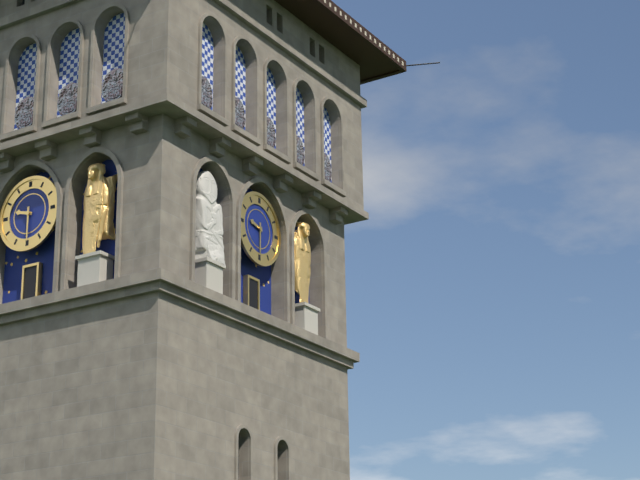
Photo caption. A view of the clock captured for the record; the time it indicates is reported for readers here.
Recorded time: 9:30
